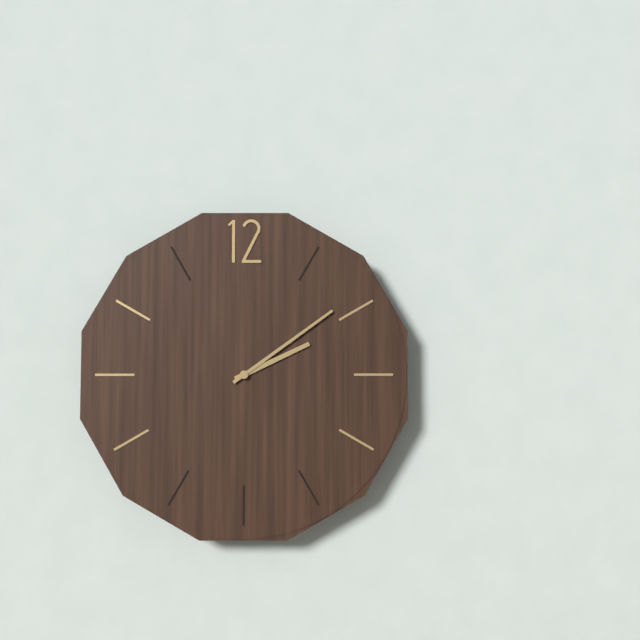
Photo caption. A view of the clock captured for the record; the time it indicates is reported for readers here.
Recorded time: 2:09
